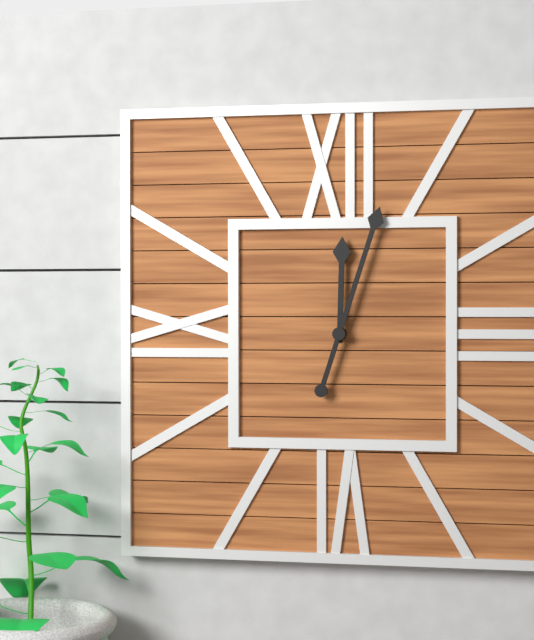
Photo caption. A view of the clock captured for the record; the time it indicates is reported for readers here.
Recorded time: 12:03
